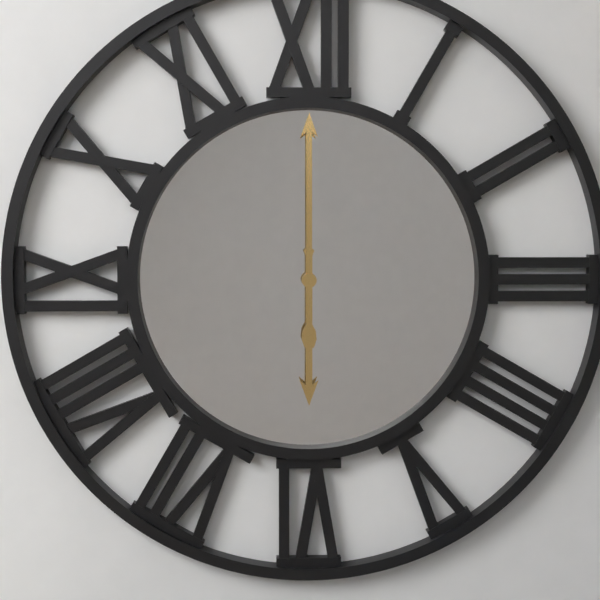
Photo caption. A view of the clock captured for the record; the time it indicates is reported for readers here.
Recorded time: 6:00
